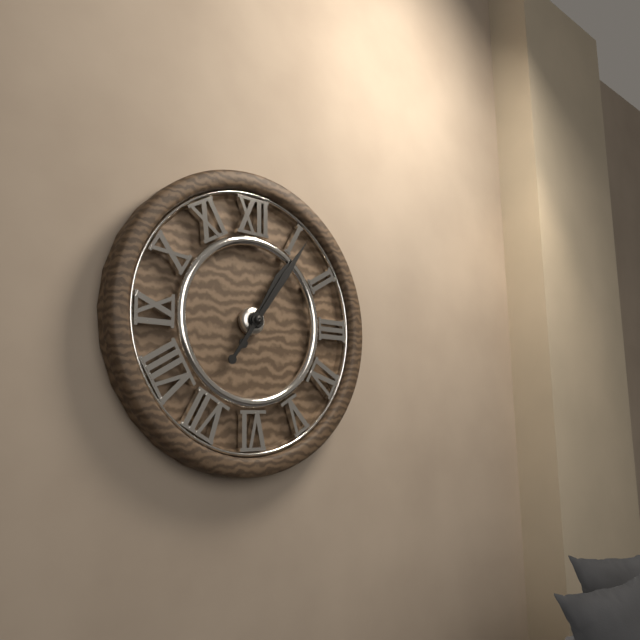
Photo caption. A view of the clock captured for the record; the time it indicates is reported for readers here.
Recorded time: 1:06
